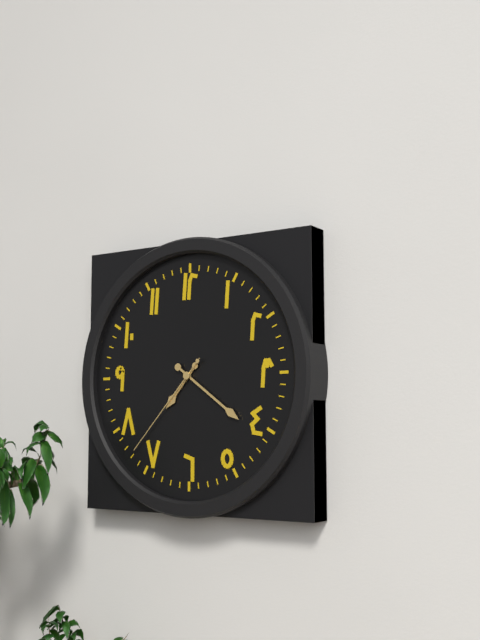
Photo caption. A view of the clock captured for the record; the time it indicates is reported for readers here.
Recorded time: 7:21:37
